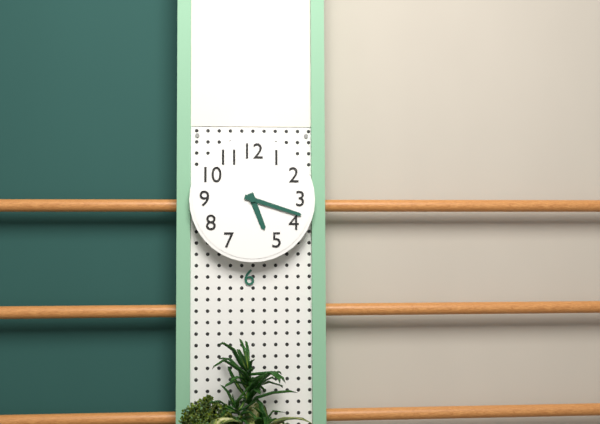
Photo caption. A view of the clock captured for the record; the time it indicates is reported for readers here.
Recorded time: 5:18
